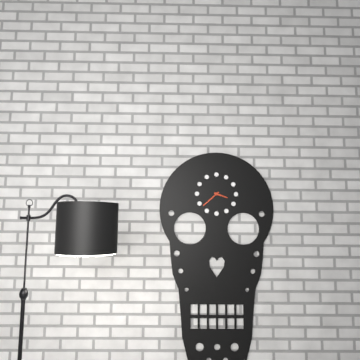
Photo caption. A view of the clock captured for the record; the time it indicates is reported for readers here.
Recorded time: 3:38
